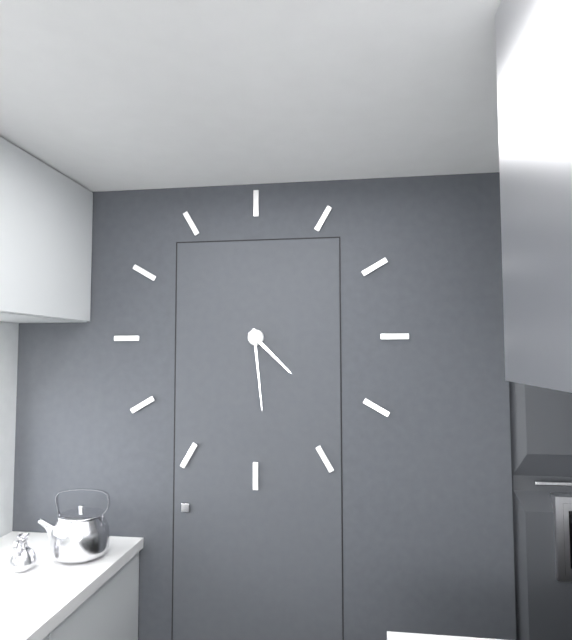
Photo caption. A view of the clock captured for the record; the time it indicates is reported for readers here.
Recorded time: 4:29
